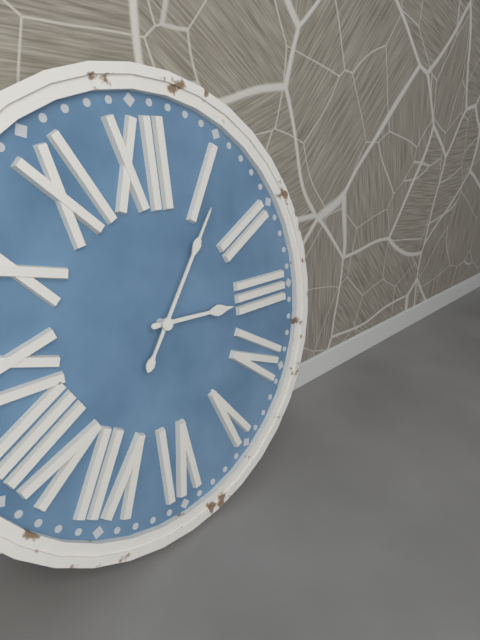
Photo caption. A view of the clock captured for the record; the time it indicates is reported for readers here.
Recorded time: 3:06
